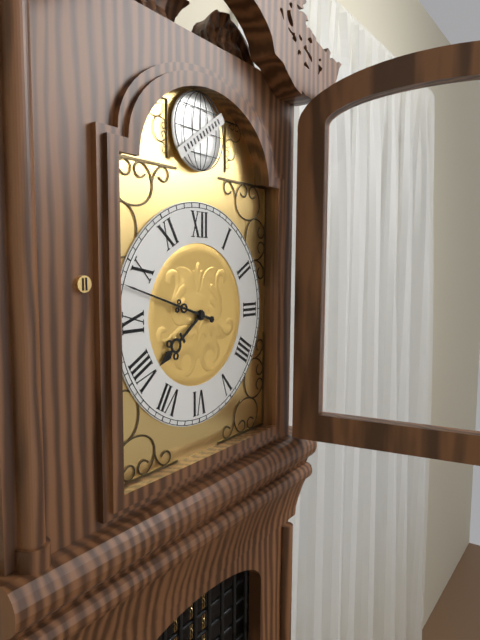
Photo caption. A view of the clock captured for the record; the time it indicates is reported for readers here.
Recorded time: 7:48
